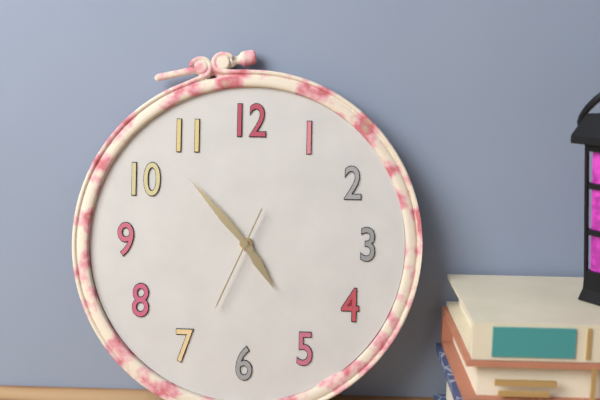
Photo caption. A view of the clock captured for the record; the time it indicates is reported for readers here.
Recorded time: 4:53:34
